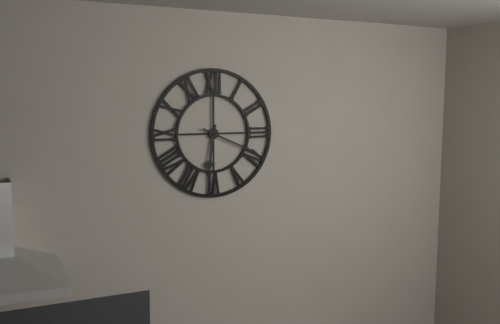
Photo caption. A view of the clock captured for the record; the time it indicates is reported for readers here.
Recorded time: 6:19
